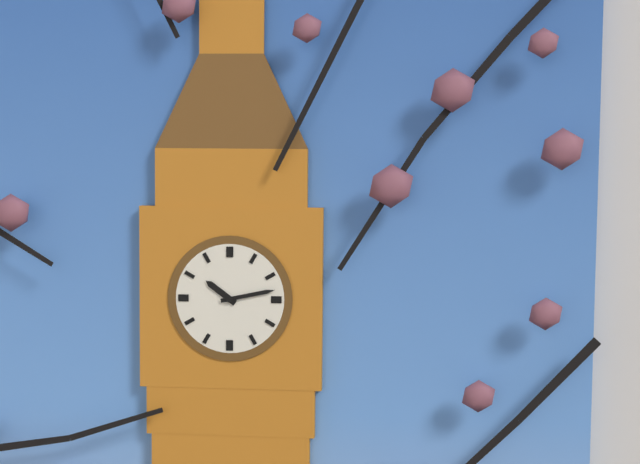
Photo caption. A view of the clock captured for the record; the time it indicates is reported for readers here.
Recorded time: 10:13
